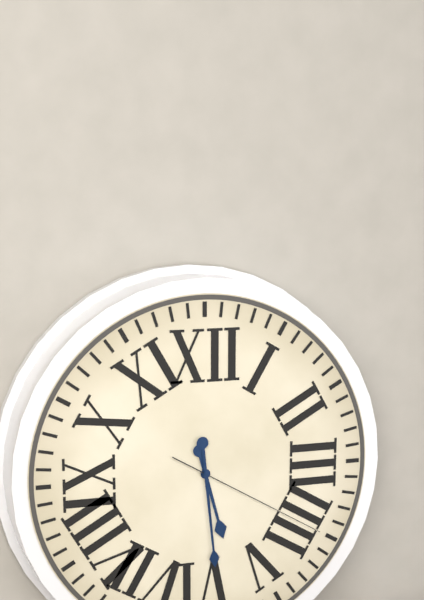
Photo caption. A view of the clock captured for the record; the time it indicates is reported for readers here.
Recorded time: 5:29:20
